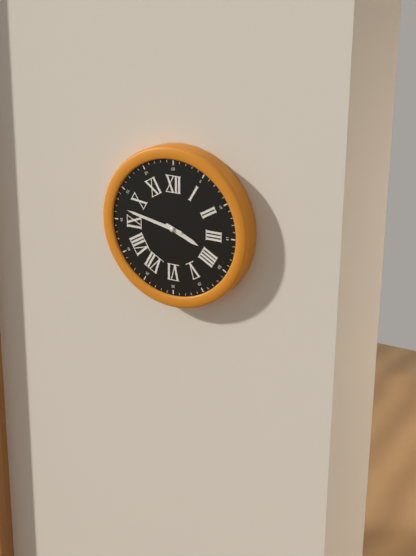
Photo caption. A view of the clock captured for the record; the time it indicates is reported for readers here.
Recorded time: 3:47
